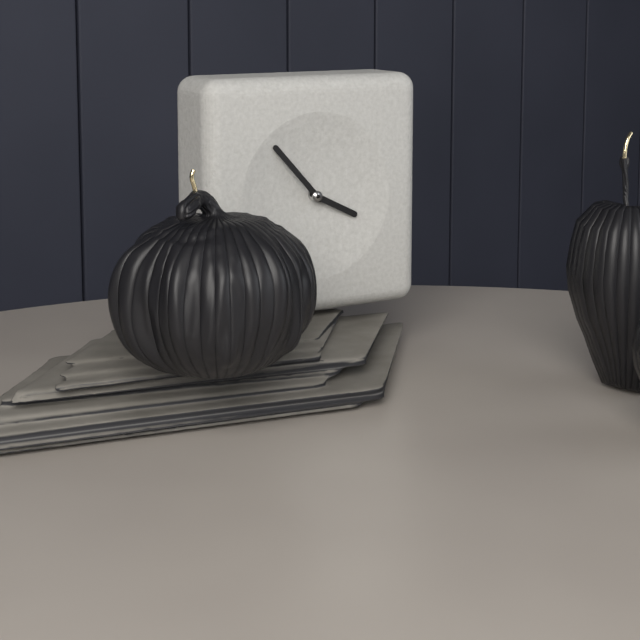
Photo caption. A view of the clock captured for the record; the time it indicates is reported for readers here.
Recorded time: 3:53
